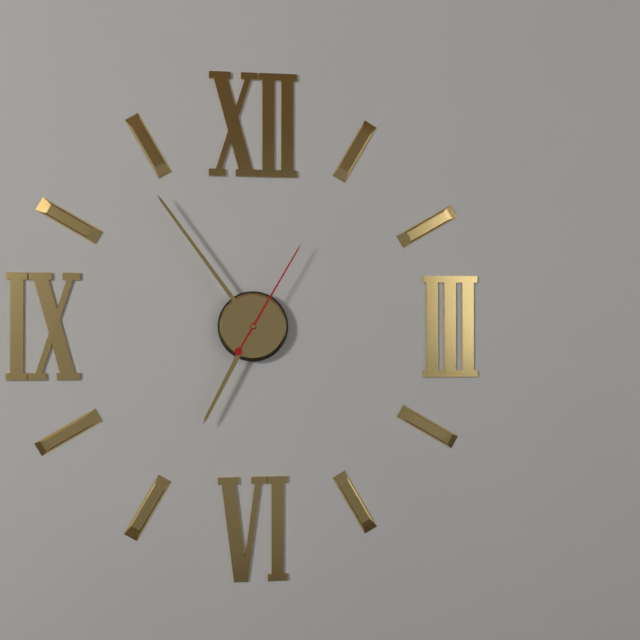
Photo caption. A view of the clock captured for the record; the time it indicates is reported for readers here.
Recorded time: 6:54:05
